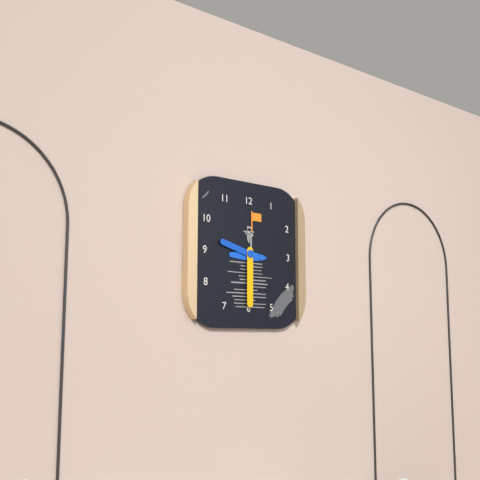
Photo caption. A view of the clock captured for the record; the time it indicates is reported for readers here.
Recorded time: 9:30
